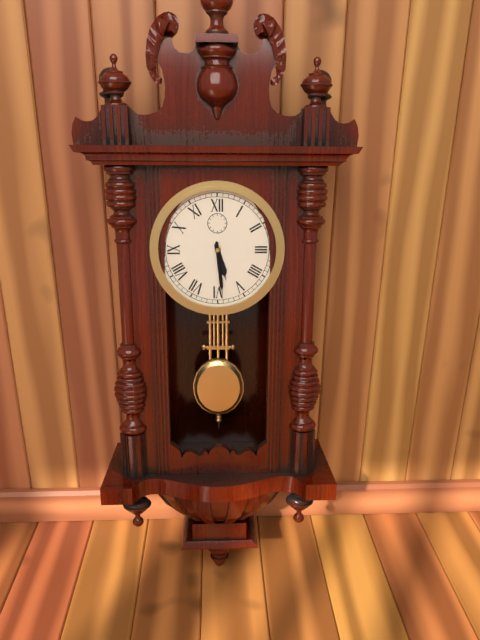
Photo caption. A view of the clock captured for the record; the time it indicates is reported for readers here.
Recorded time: 5:29
